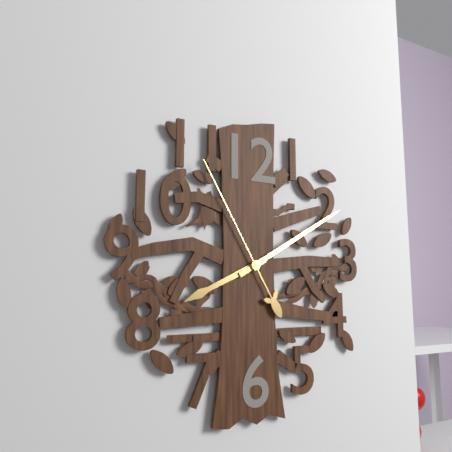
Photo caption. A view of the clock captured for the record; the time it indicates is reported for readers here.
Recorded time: 8:10:55
